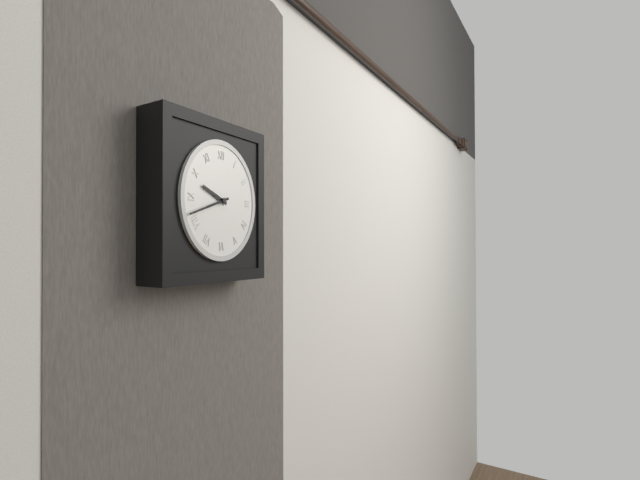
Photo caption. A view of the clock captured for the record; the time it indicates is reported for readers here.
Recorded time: 9:42
